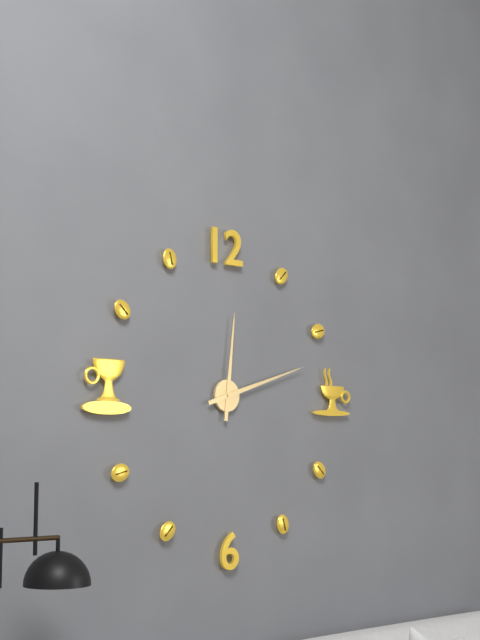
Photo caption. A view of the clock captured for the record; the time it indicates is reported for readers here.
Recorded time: 12:12
